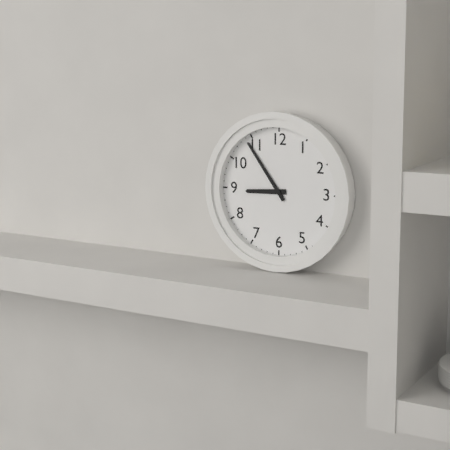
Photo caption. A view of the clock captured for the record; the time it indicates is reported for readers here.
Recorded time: 8:54
